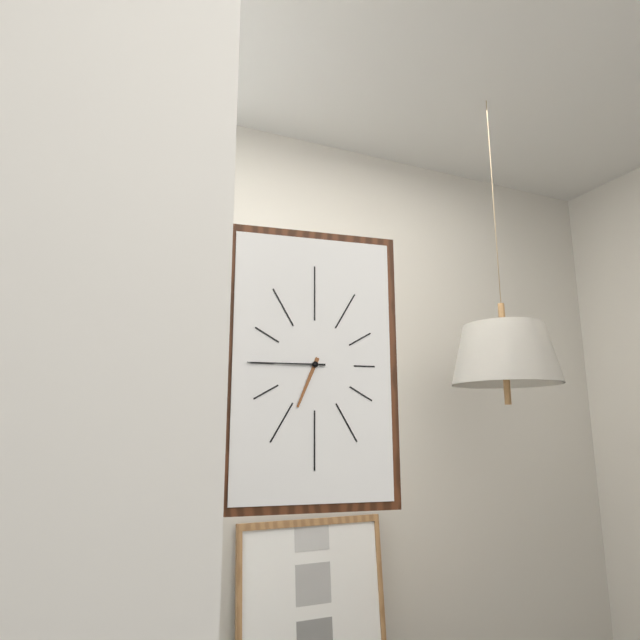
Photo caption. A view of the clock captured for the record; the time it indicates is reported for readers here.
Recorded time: 6:45
